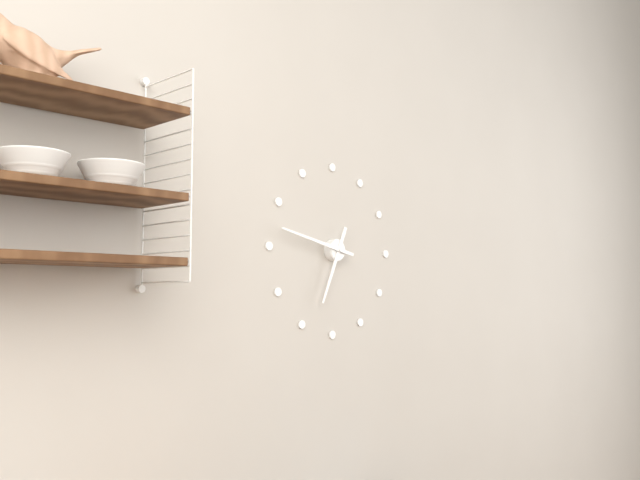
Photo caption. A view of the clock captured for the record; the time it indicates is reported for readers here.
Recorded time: 6:47
